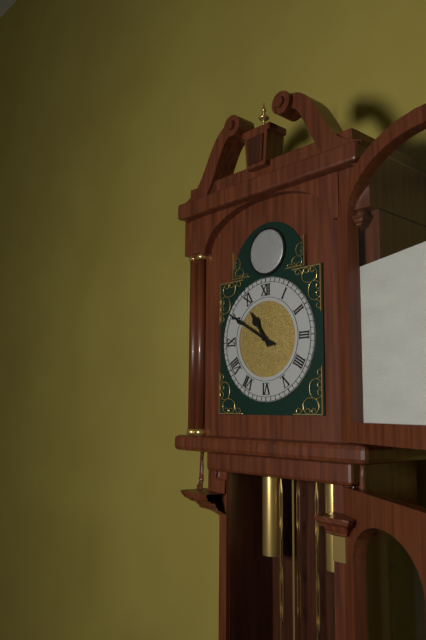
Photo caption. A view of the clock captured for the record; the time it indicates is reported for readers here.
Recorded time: 10:50
